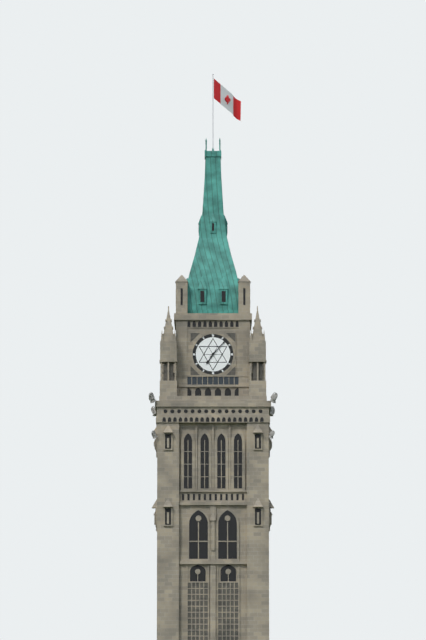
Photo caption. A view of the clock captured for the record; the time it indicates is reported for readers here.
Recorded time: 7:07
